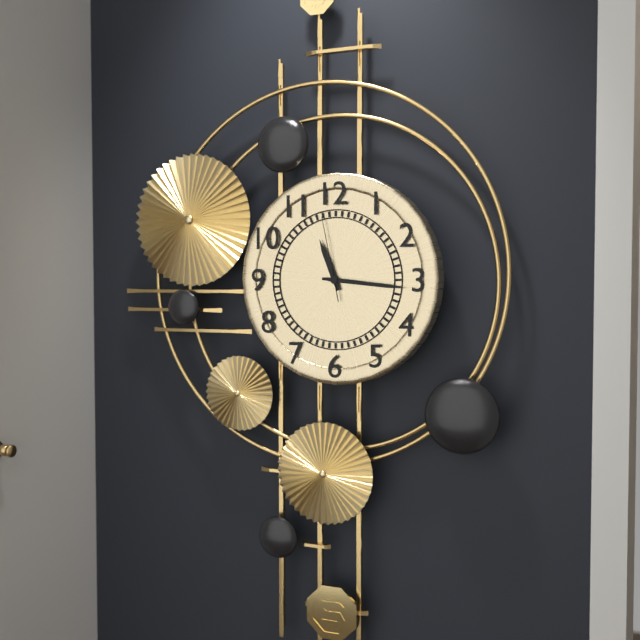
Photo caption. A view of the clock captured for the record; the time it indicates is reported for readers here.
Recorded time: 11:16:58
